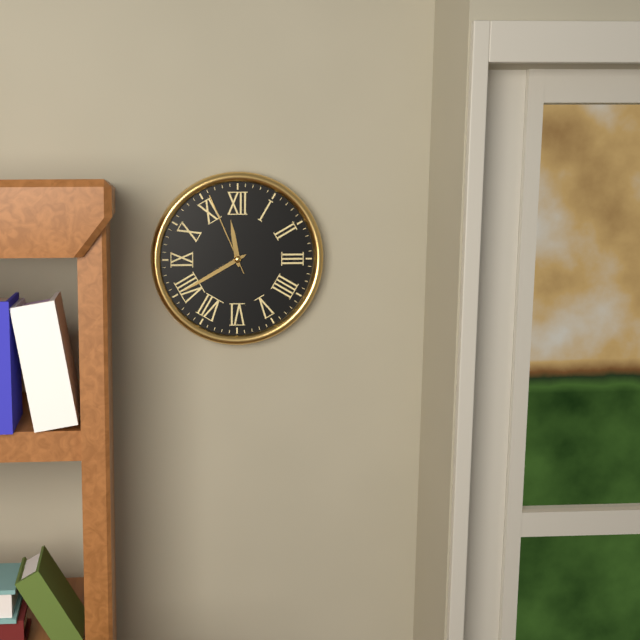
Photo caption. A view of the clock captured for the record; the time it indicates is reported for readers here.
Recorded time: 11:40:56
